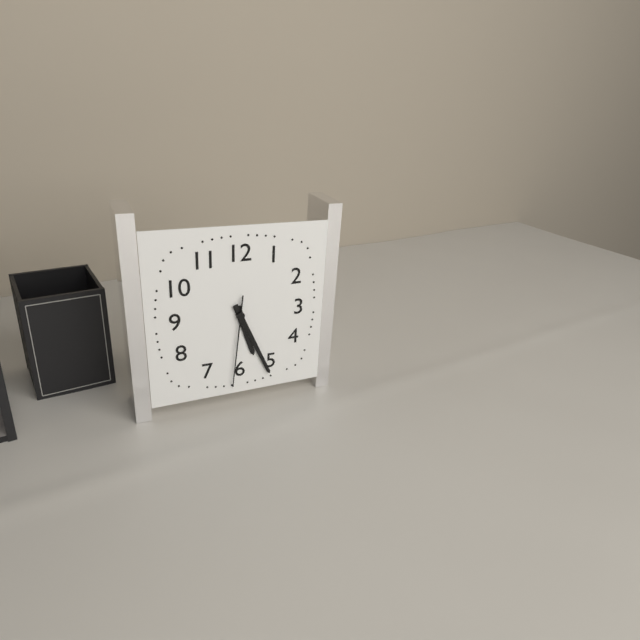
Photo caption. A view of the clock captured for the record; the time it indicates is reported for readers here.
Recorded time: 5:26:31
